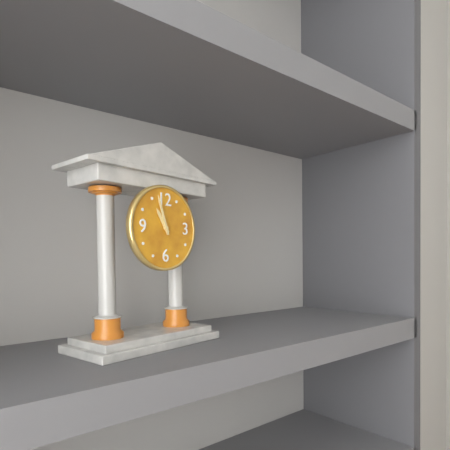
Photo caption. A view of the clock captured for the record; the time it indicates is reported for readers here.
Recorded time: 10:57
